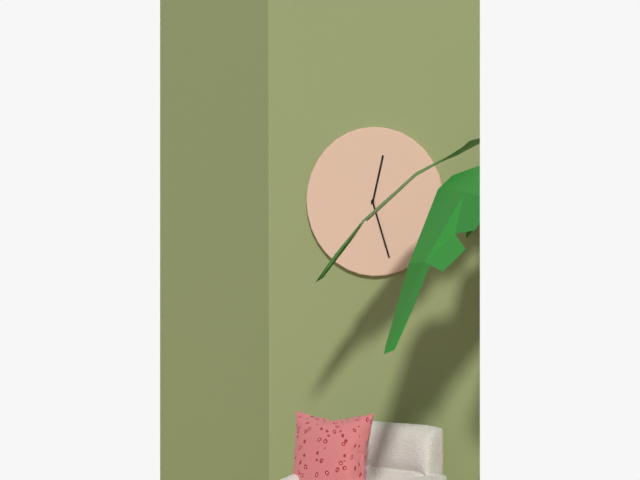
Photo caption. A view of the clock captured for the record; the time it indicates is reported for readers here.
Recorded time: 12:27
